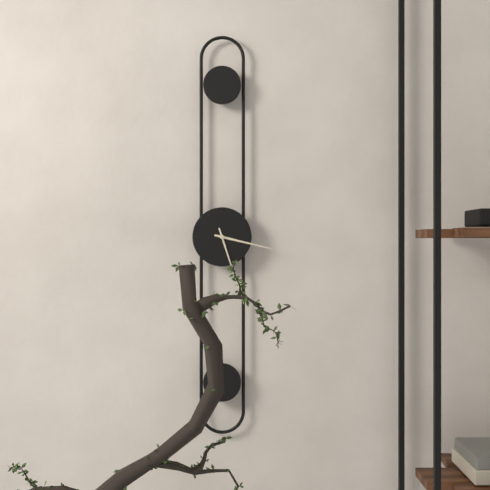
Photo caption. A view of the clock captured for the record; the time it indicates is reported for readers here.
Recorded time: 3:27
